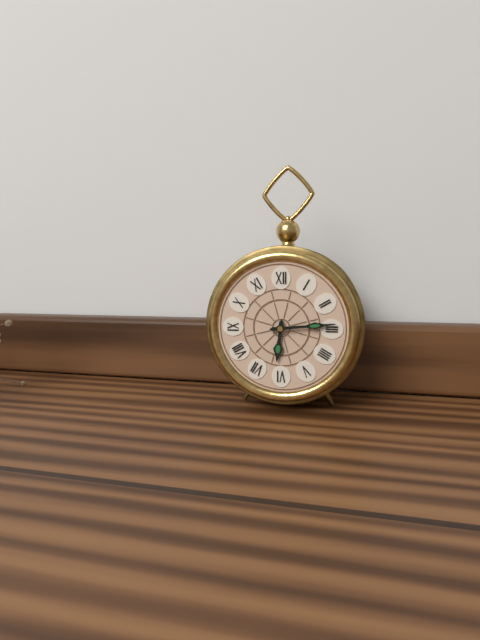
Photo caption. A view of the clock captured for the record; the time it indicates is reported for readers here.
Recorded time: 6:14
